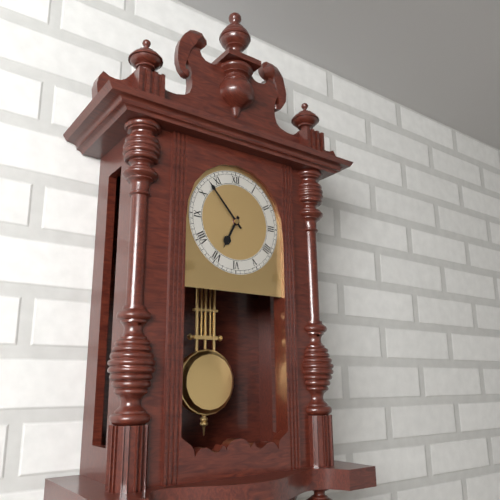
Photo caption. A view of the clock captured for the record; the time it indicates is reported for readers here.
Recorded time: 6:53
